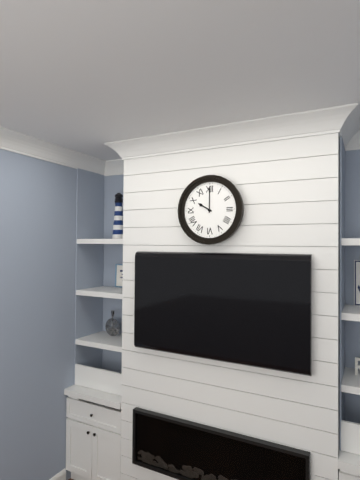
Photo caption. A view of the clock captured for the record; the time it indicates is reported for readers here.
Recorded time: 10:00
